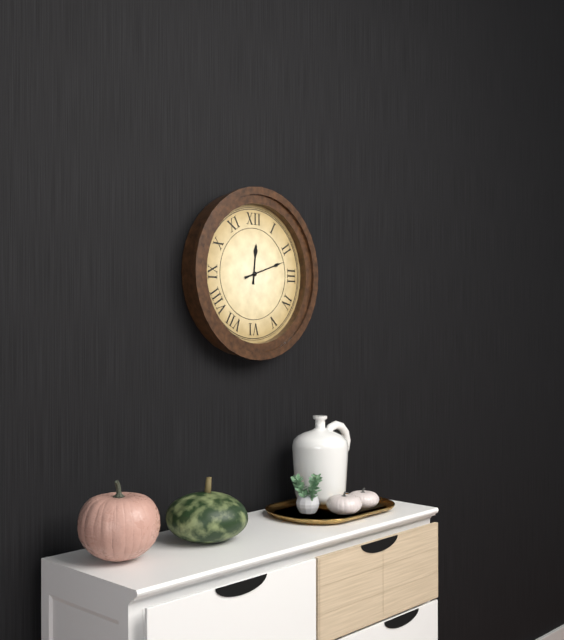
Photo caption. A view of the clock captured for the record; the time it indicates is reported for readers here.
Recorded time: 12:12
